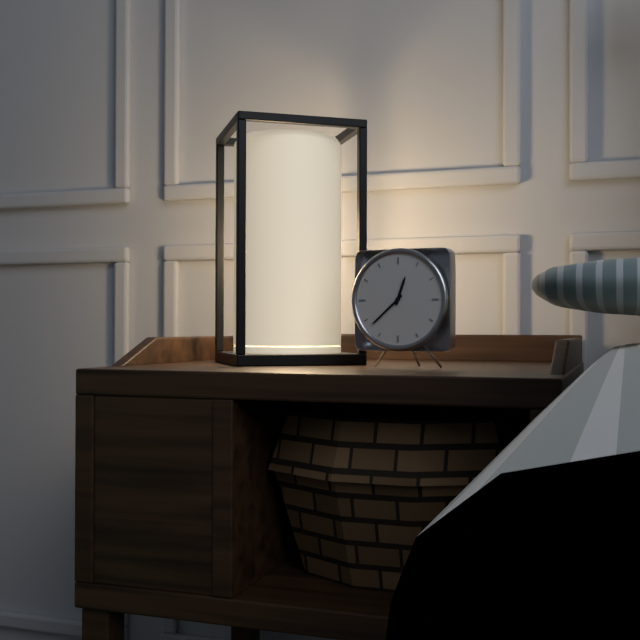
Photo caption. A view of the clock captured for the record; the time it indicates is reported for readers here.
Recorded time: 12:38
